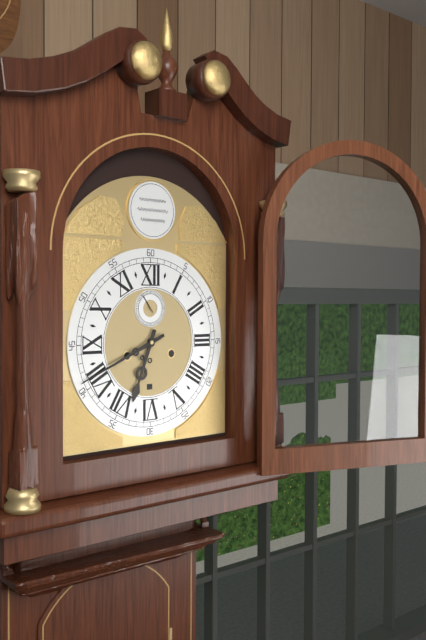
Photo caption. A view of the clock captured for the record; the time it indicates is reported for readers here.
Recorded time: 6:41
